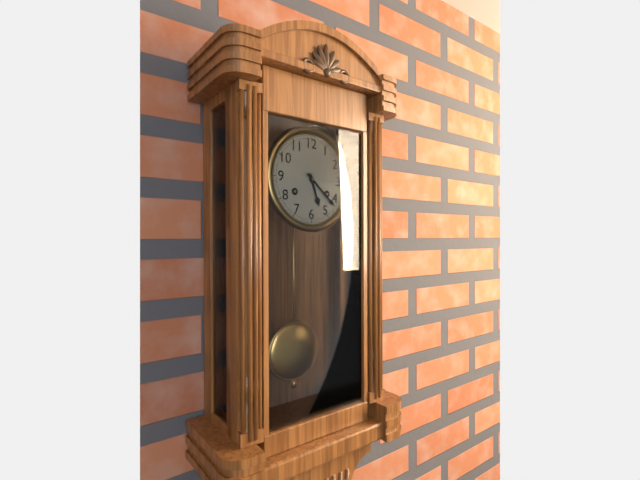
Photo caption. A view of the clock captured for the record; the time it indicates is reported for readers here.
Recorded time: 5:22
